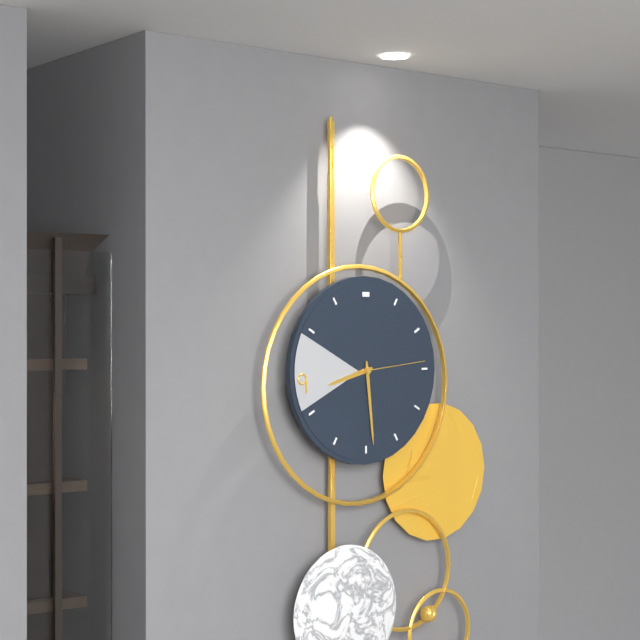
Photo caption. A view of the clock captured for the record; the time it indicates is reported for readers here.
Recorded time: 8:29:14
